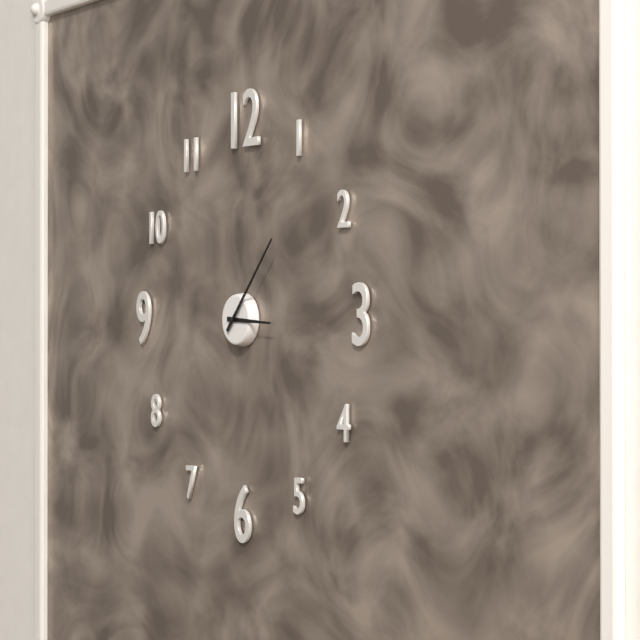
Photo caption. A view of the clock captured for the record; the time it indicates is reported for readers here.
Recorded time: 3:07
